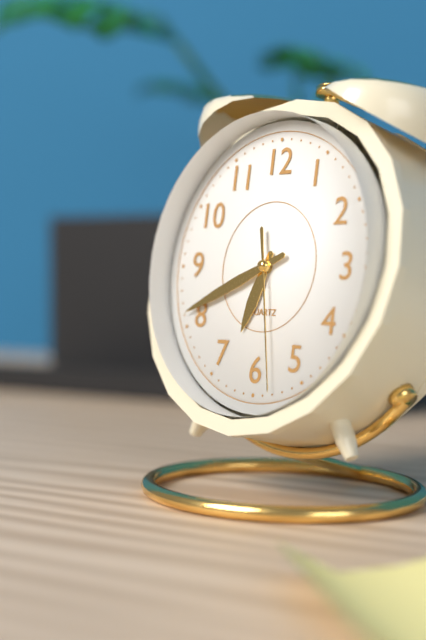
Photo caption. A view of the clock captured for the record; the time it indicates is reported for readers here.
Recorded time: 6:41:28
